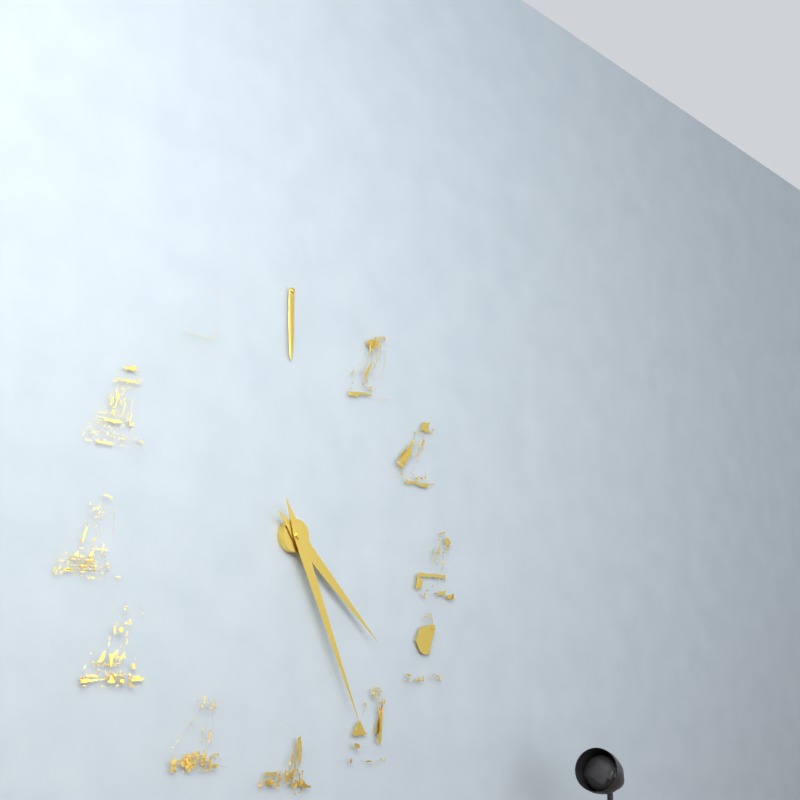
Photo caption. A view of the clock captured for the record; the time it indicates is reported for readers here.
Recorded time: 4:26
